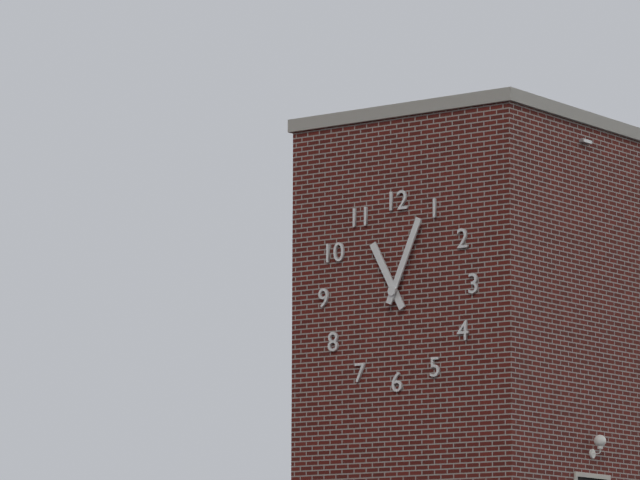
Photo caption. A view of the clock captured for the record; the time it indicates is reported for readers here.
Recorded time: 11:04
